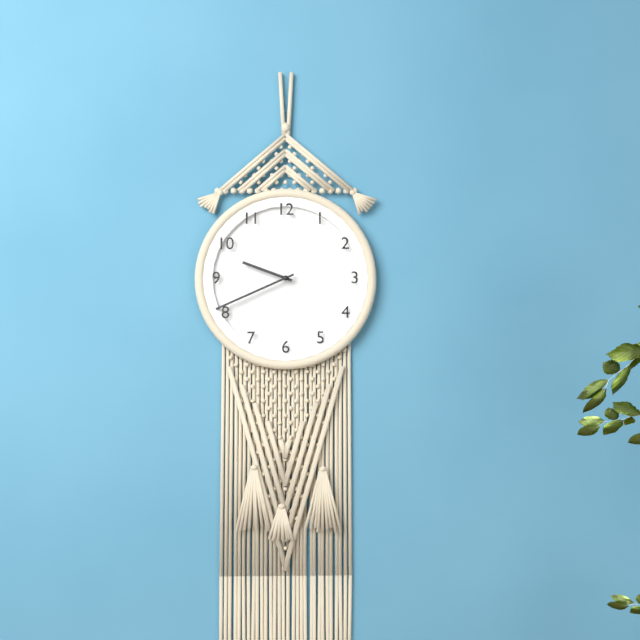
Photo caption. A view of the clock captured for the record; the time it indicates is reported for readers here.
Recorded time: 9:41
